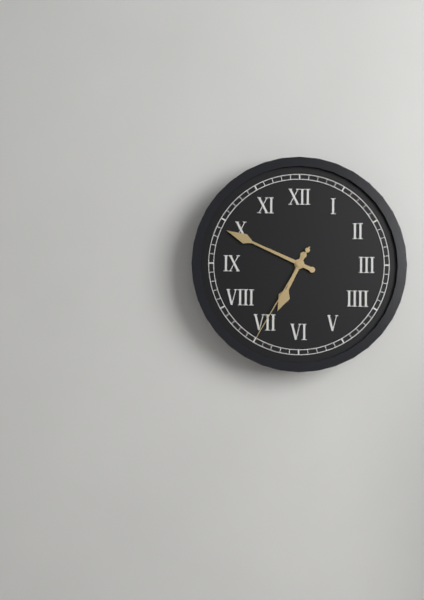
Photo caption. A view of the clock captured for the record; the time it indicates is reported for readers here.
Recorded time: 6:49:35
